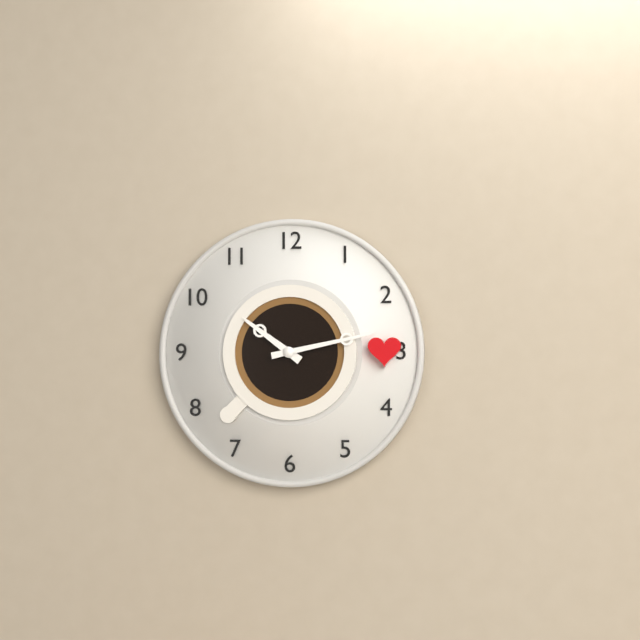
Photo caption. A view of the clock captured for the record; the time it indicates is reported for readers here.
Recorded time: 10:13
